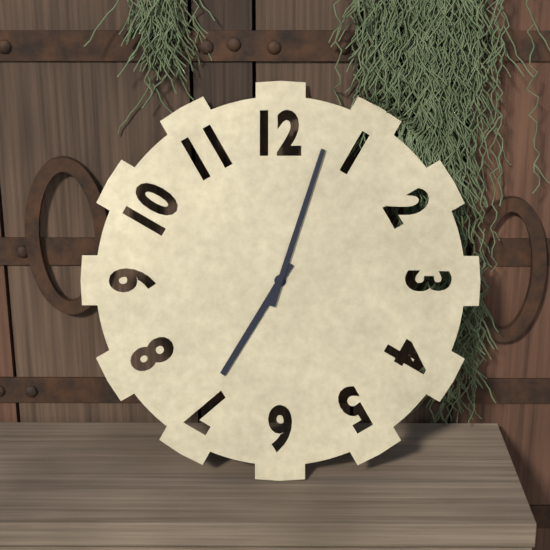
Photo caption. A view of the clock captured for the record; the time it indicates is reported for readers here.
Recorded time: 7:03
